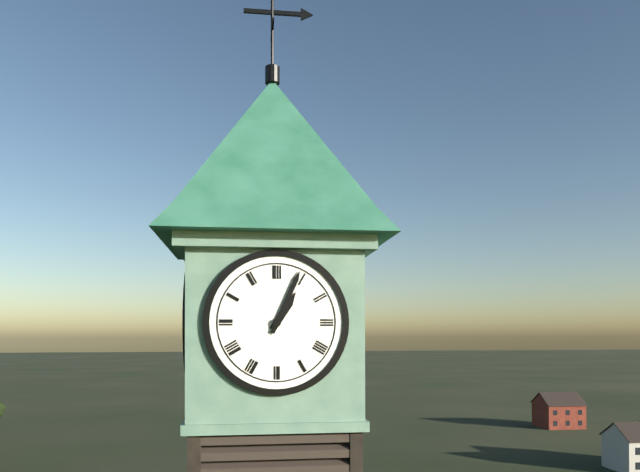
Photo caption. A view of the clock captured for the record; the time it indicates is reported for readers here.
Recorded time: 1:04
